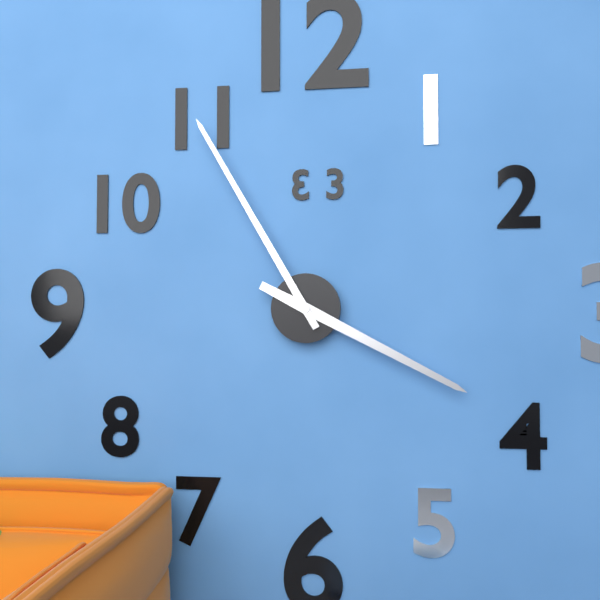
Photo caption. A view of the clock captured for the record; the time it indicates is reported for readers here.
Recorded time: 3:55
